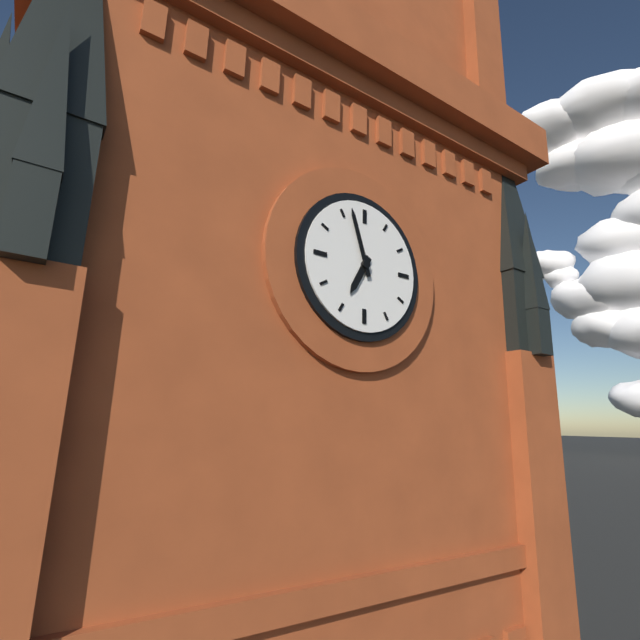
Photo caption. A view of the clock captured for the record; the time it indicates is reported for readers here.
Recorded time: 6:57
